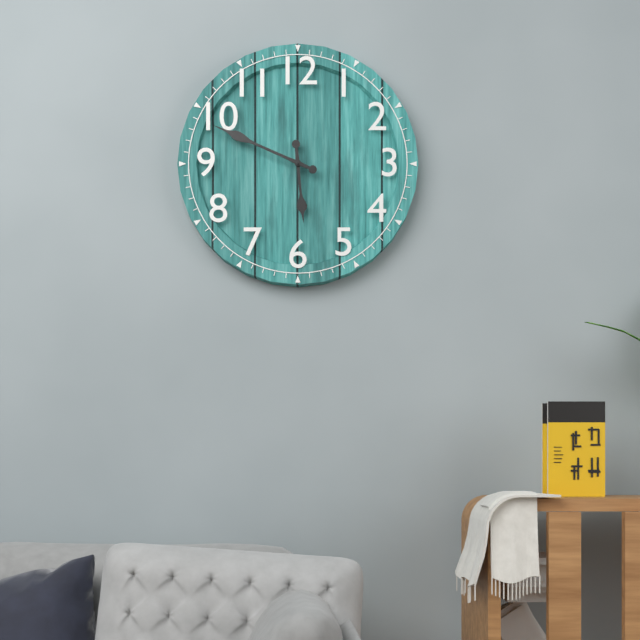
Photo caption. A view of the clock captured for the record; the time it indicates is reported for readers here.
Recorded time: 5:49
